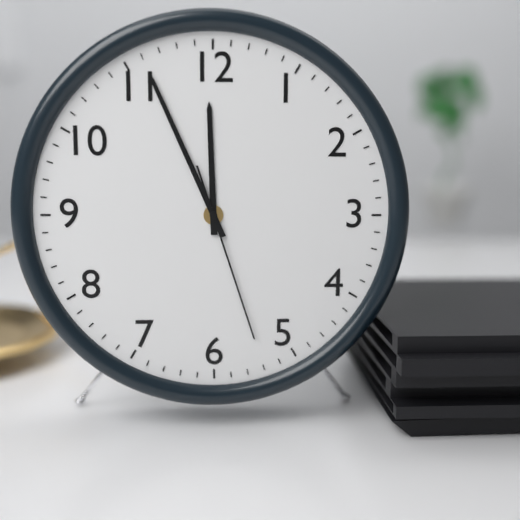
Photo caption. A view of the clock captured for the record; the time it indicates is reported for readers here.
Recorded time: 11:56:27
